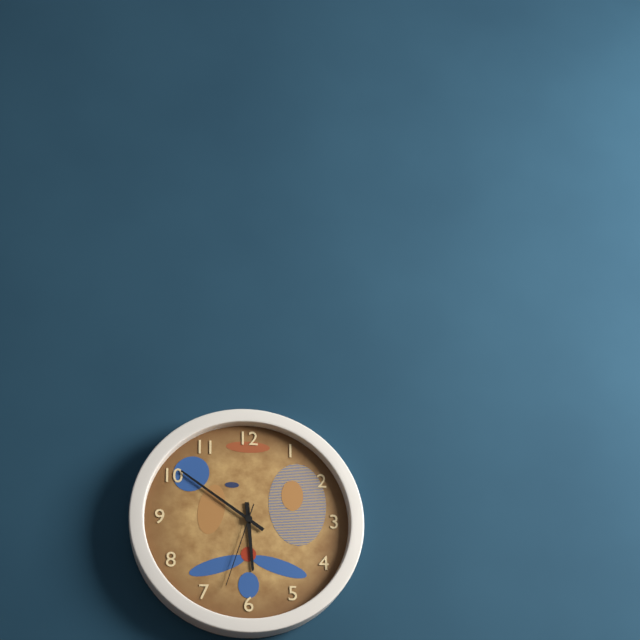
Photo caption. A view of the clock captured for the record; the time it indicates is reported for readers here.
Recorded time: 5:51:33
